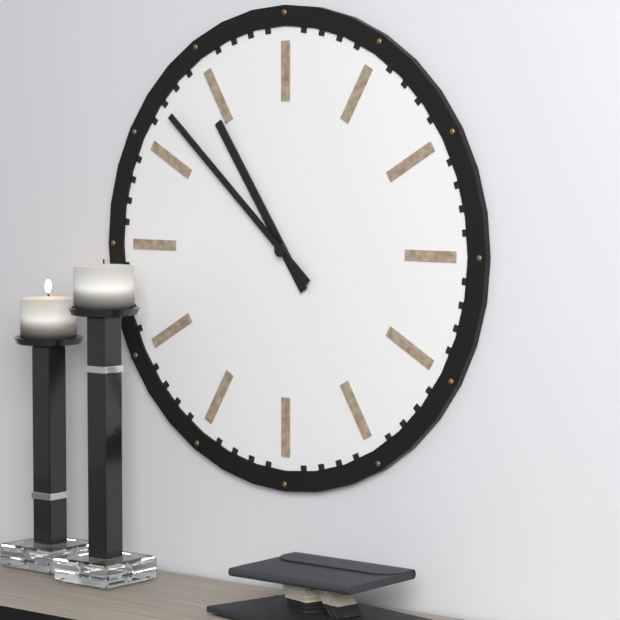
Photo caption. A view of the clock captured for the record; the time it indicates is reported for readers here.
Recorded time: 10:52
